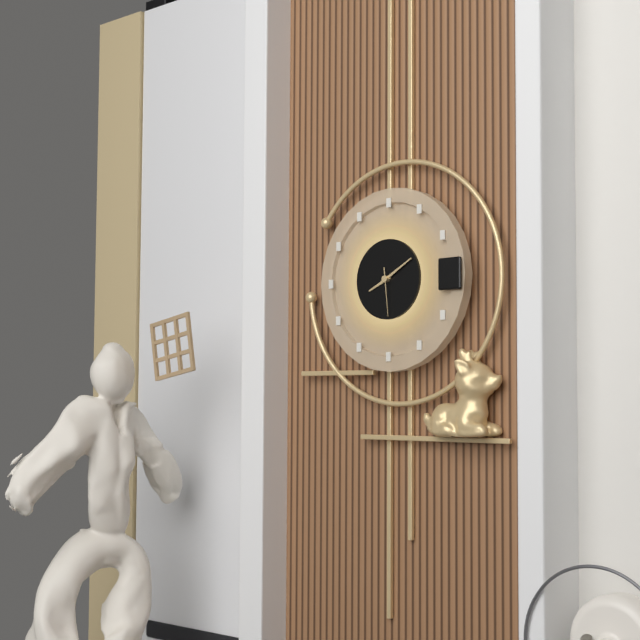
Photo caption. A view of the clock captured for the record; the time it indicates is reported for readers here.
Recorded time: 8:10
